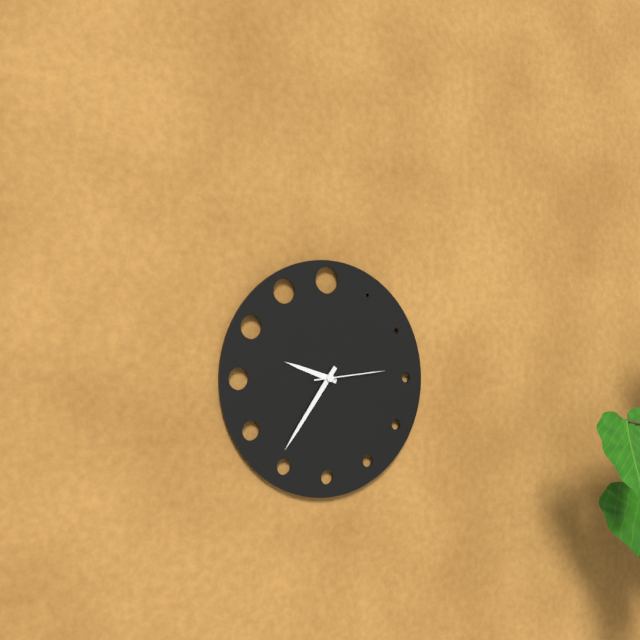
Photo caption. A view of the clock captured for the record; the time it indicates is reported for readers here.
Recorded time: 9:36:14
